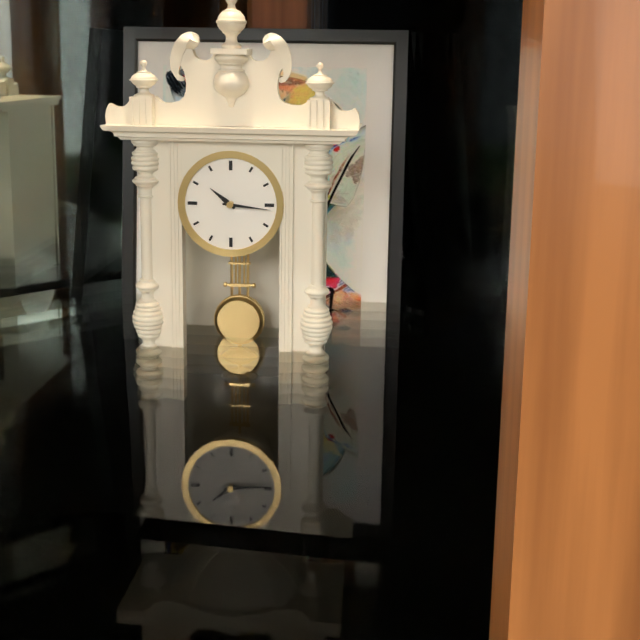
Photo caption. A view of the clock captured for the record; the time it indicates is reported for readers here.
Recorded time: 10:16
